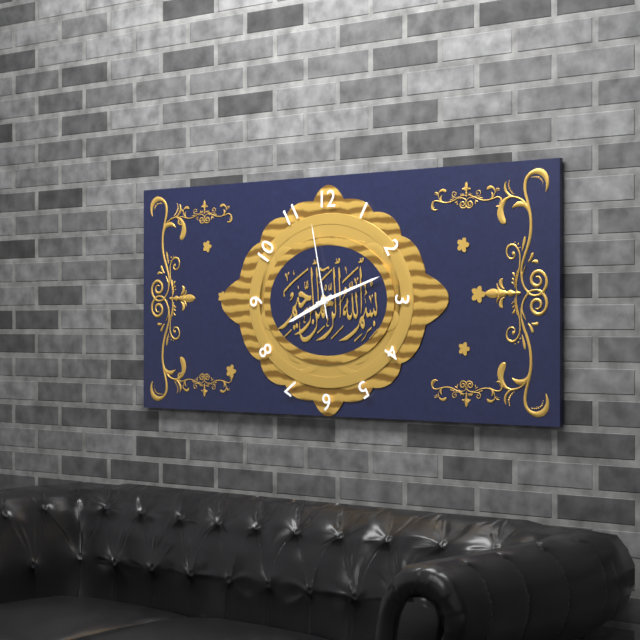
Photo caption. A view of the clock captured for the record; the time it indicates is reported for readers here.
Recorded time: 8:12:58
